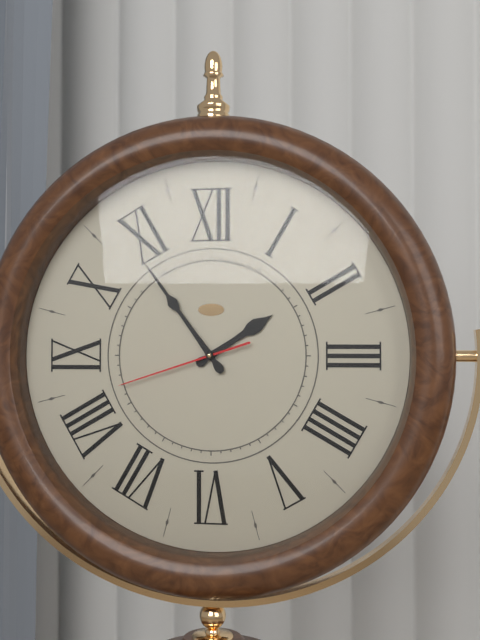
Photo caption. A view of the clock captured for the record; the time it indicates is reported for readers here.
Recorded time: 1:54:42
